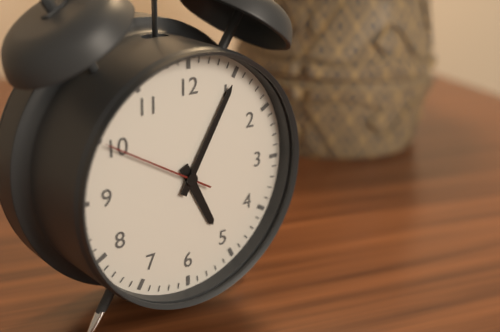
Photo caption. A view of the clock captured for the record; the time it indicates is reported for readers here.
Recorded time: 5:05:50
